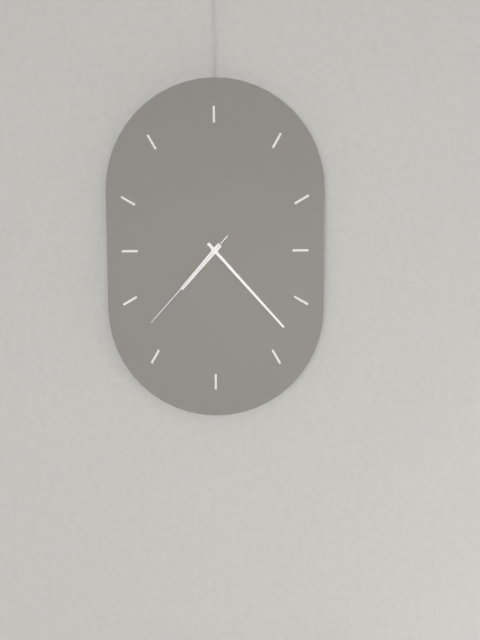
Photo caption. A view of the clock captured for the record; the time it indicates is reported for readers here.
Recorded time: 7:23:37
